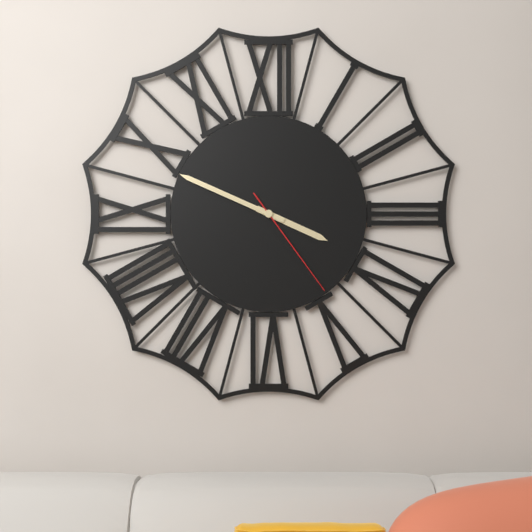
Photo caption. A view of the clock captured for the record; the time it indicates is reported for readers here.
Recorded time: 3:49:24
